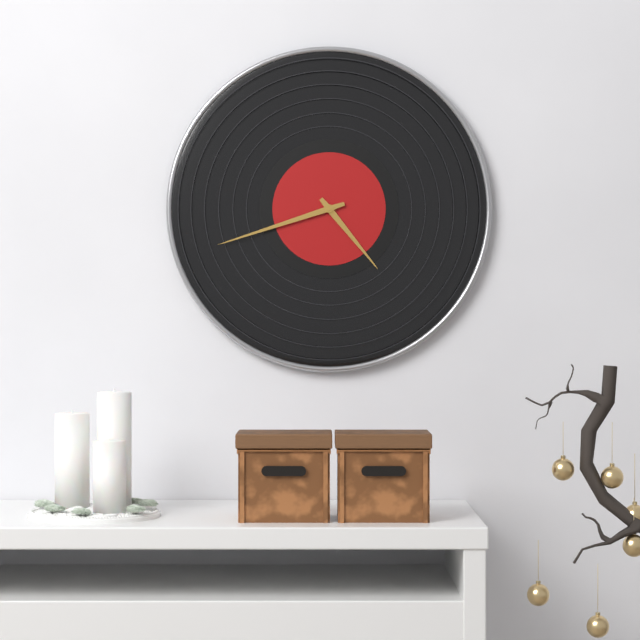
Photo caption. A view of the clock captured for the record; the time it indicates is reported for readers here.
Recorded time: 4:42
